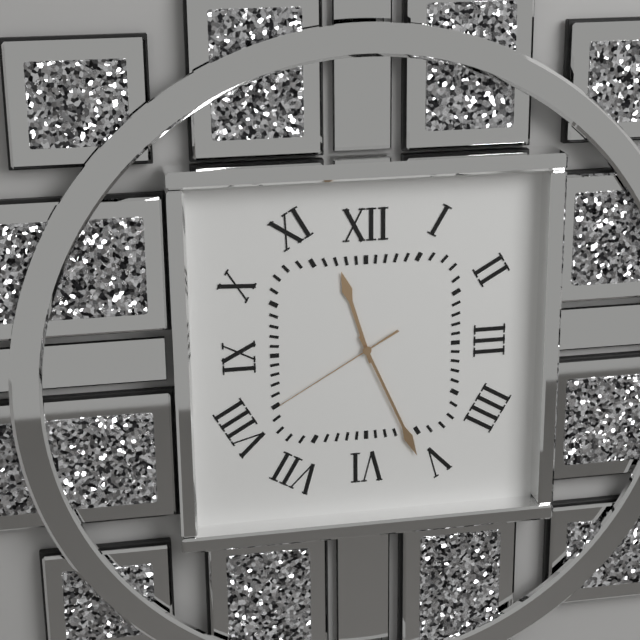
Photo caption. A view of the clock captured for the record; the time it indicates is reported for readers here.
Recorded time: 11:26:40
